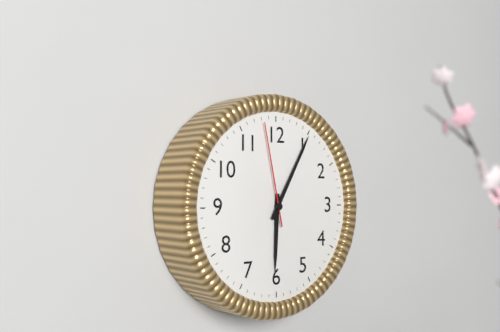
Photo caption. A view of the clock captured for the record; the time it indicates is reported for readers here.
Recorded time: 6:05:58
